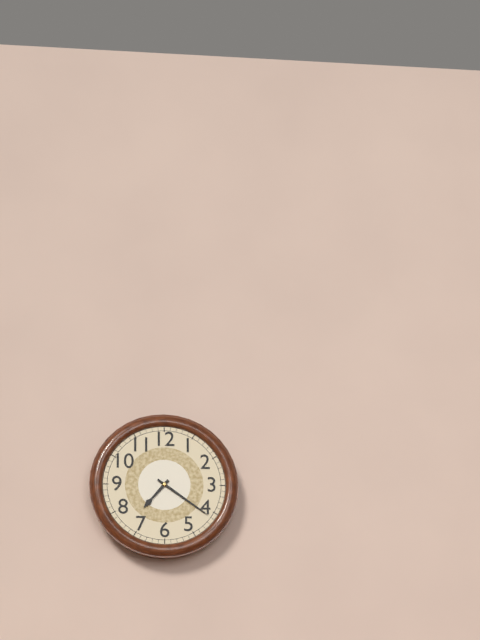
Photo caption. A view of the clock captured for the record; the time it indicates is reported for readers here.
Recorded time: 7:21
